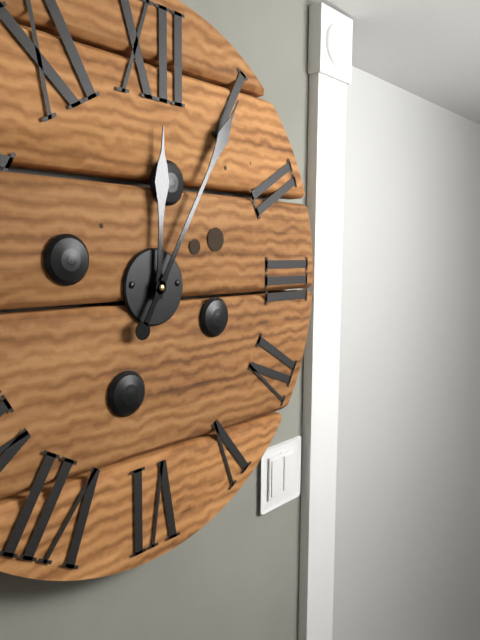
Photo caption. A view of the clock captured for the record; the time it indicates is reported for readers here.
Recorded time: 12:05
